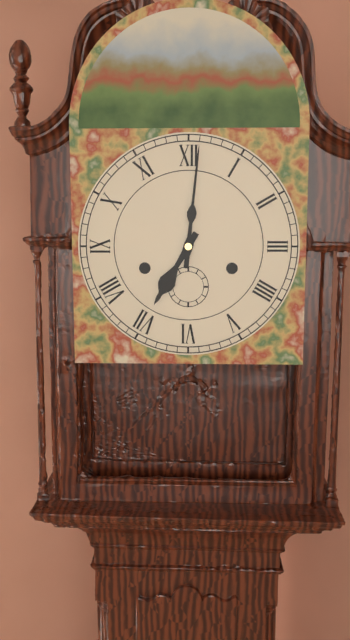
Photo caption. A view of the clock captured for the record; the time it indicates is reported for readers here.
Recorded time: 7:01
